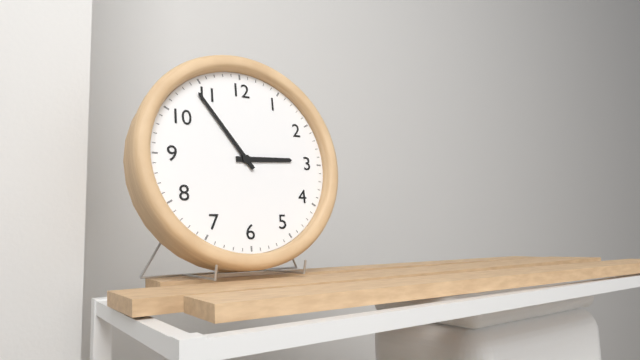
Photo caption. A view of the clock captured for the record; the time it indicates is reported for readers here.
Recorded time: 2:54
